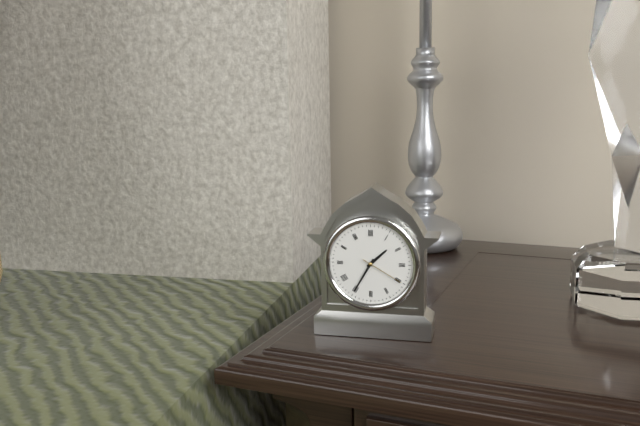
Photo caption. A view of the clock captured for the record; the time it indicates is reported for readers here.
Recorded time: 1:35
